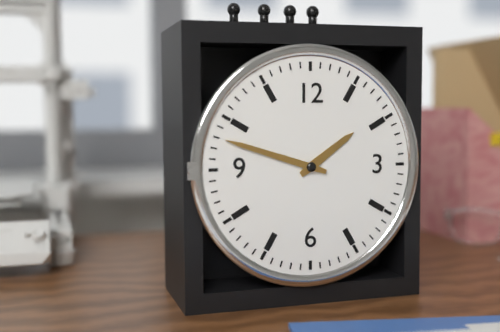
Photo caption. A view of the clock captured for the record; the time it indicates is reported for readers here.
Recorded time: 1:48
